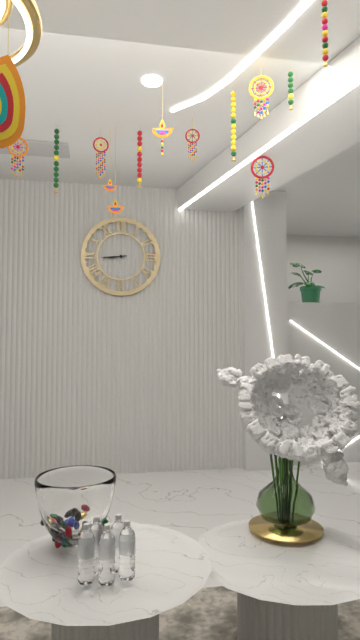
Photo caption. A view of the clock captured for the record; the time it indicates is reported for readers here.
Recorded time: 8:44
